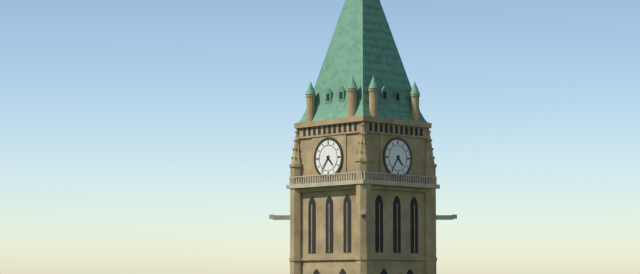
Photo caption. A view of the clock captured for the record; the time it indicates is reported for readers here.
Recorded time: 4:36
